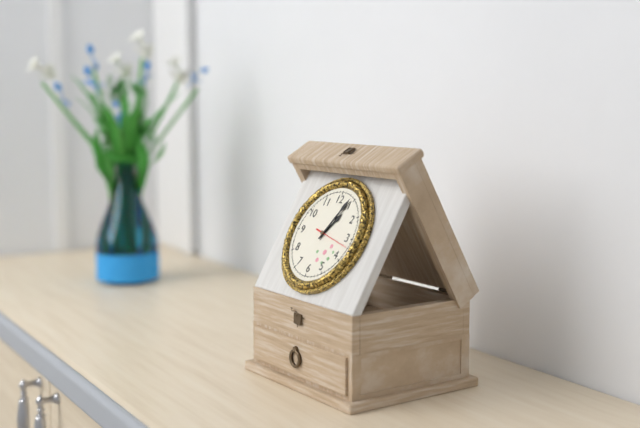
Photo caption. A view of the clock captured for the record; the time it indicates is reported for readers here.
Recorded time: 1:04
